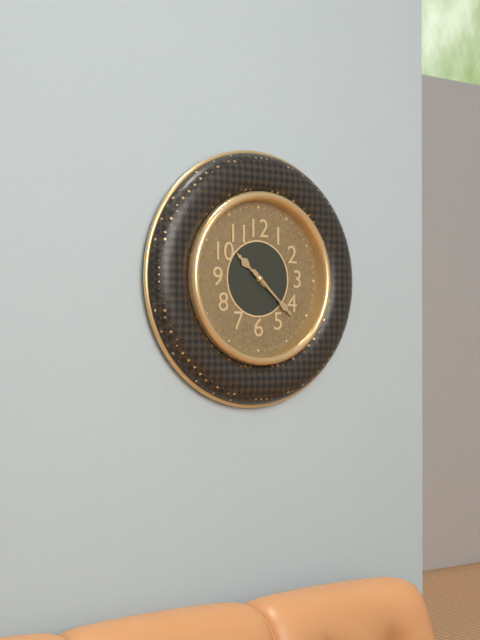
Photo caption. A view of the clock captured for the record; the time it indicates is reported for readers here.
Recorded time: 10:22
